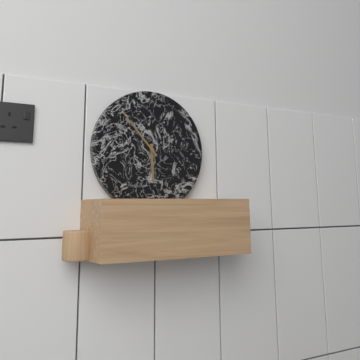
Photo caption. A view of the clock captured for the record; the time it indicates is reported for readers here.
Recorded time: 5:53
